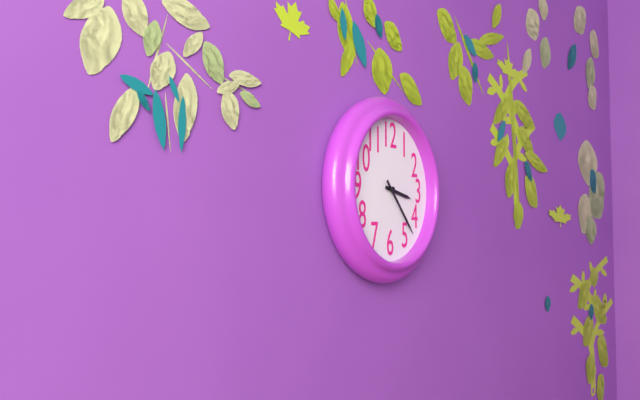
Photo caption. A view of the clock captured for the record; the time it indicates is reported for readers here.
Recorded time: 3:23
